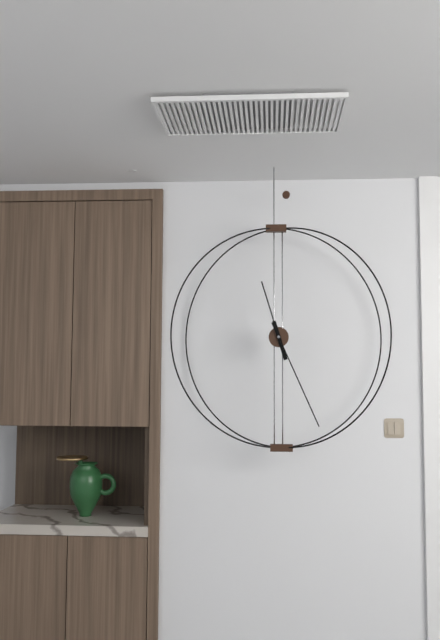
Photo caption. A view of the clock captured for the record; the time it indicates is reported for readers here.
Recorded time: 11:26
